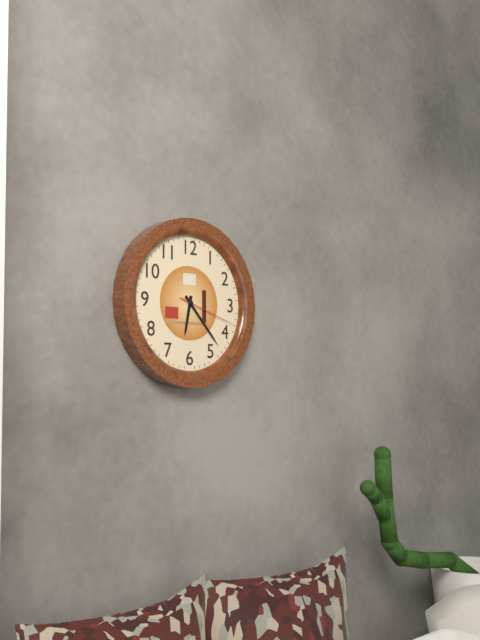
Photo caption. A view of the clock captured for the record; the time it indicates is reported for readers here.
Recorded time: 6:23:18
